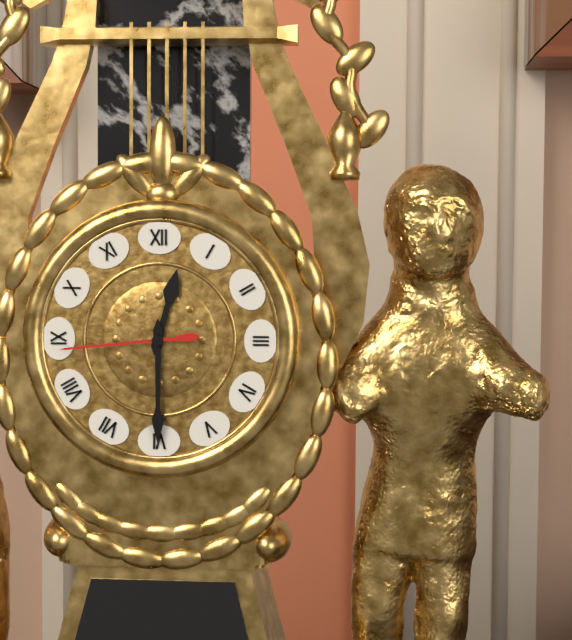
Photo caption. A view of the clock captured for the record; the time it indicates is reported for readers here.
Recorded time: 12:30:44
